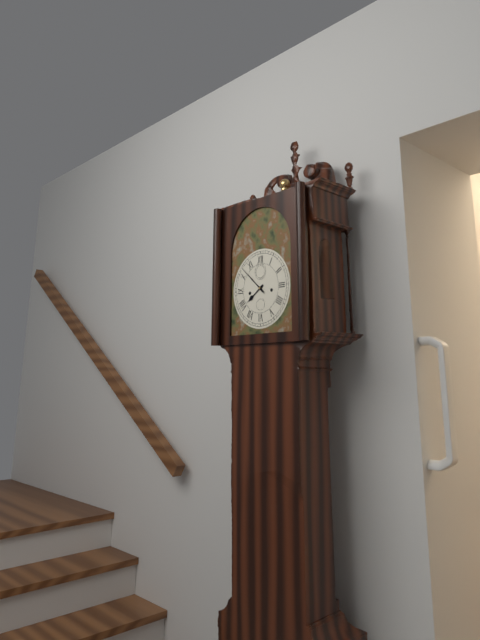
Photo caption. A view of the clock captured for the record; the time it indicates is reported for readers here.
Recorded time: 7:52
